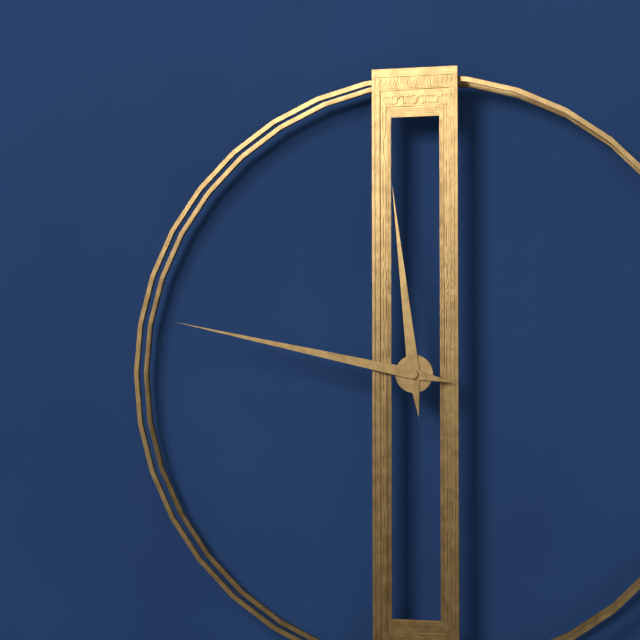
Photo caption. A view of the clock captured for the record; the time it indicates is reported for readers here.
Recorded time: 11:47
